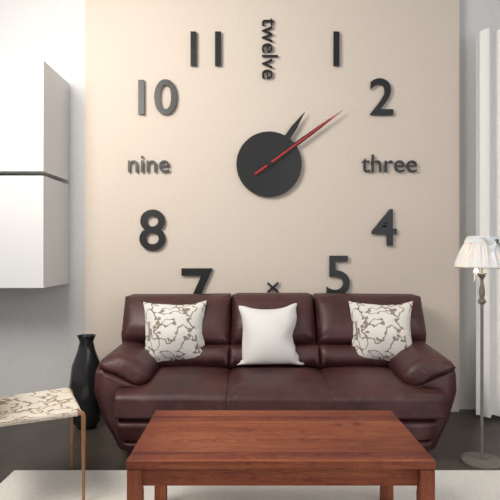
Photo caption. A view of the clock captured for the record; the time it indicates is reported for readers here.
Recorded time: 1:09:09
